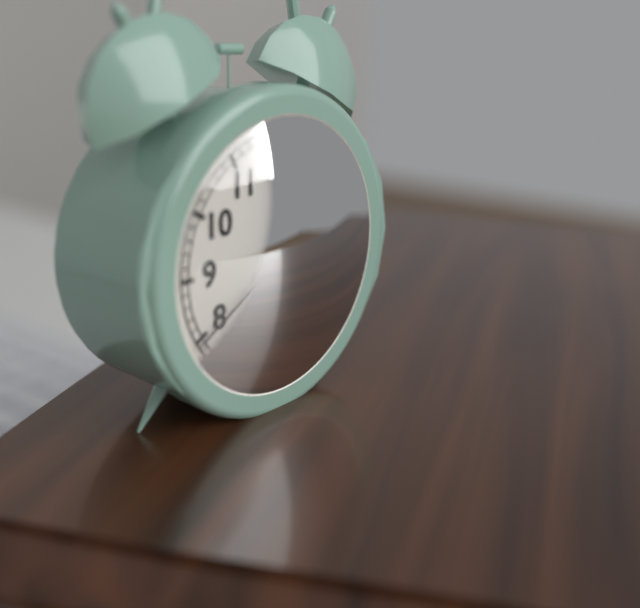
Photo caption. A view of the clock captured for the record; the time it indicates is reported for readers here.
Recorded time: 2:11:40
